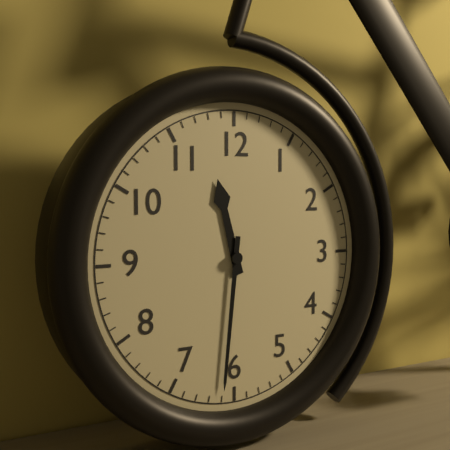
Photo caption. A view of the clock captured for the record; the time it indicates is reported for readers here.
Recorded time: 11:31
